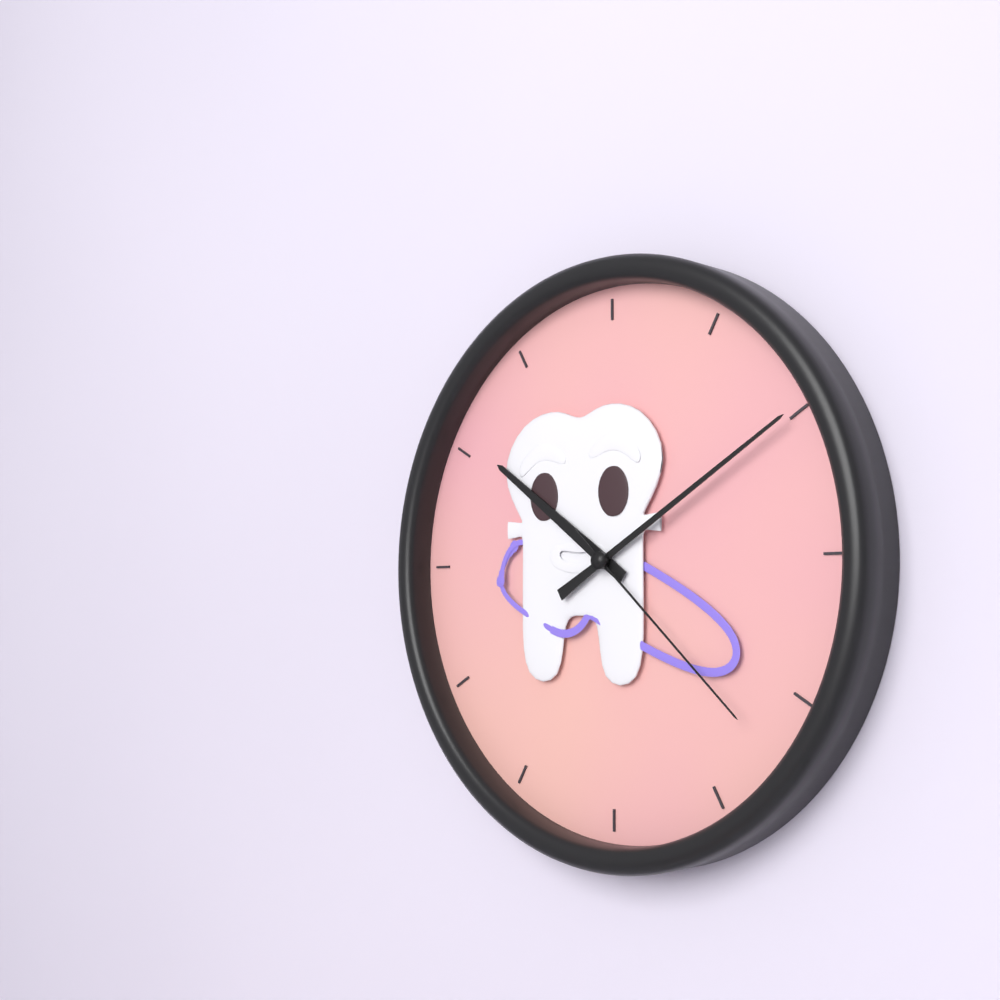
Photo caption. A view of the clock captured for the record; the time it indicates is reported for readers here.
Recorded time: 10:10:22
